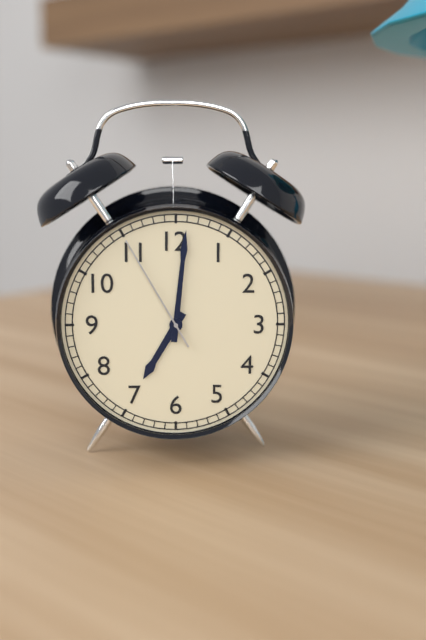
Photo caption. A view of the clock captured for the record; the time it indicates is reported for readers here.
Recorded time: 7:01:55
